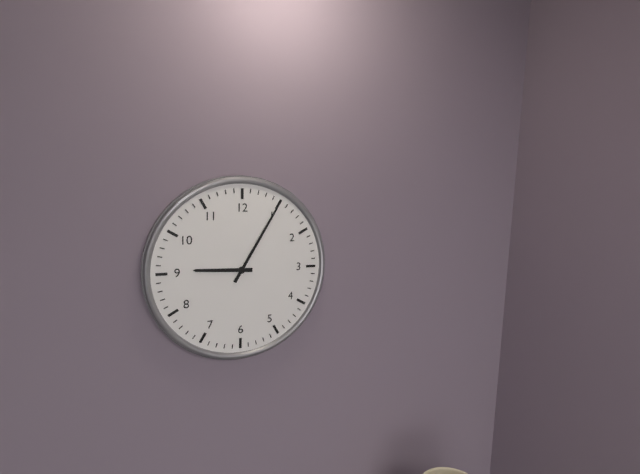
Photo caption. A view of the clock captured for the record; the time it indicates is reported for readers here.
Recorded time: 9:05
